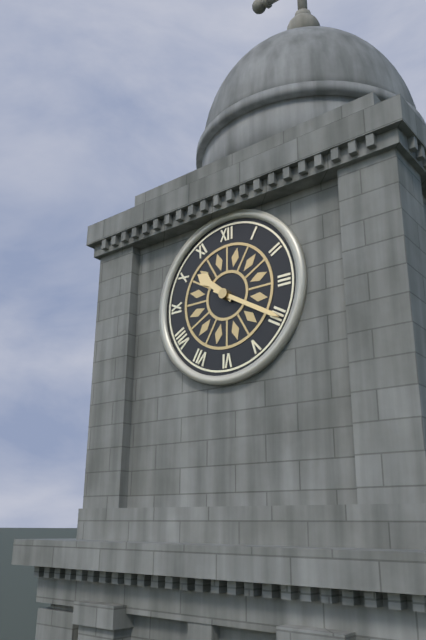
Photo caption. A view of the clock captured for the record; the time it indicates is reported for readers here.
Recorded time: 10:20
